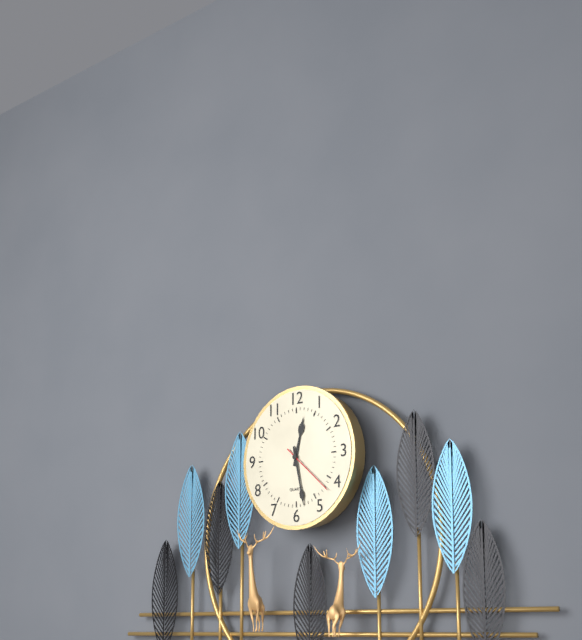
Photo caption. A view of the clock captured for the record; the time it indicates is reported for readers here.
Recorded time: 12:28:22
